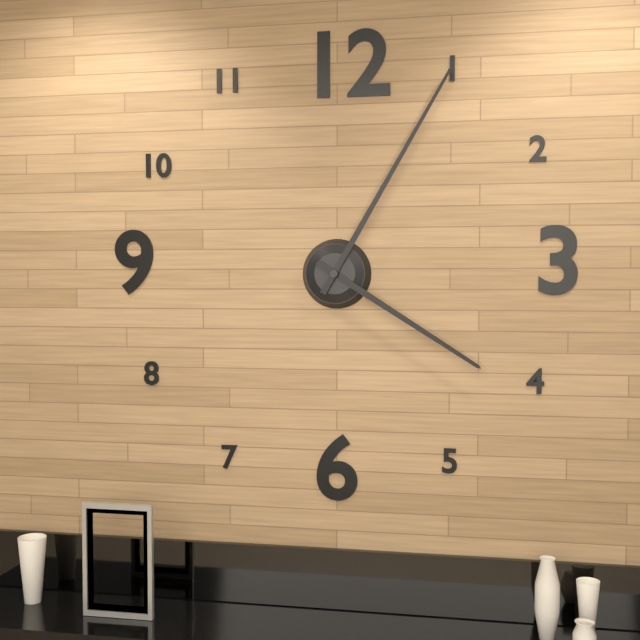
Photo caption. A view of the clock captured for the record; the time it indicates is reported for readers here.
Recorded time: 4:05
